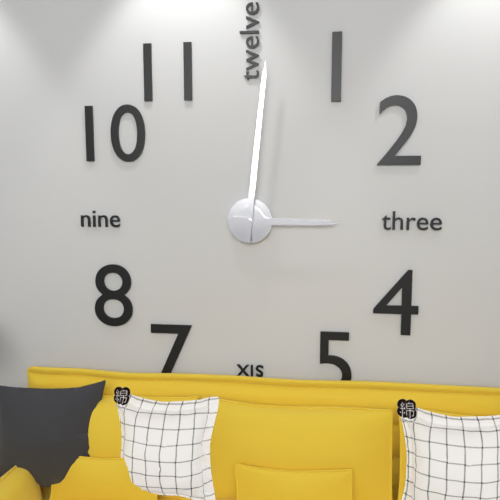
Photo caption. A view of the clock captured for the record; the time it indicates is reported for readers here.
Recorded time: 3:01
